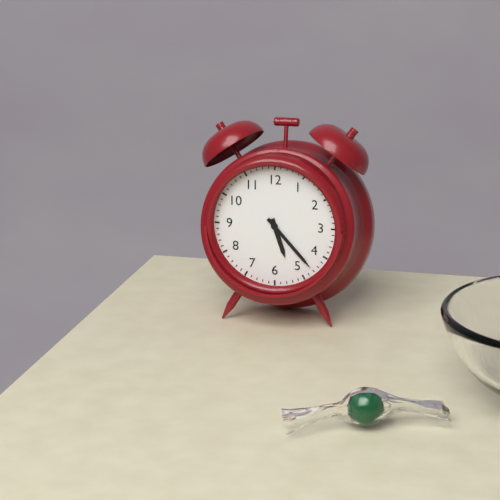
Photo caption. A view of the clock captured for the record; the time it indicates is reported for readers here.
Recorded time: 5:23
